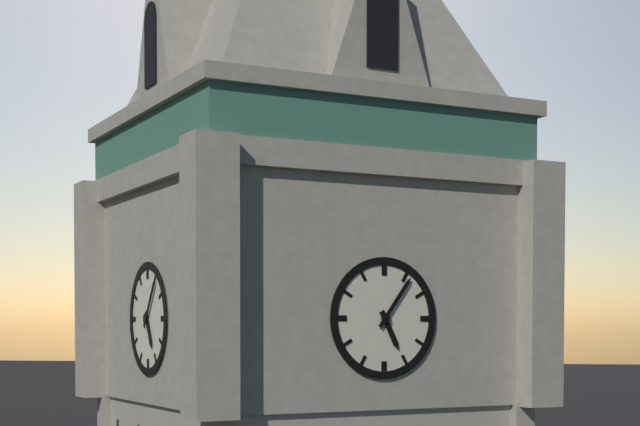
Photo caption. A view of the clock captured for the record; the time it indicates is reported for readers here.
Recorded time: 5:06
